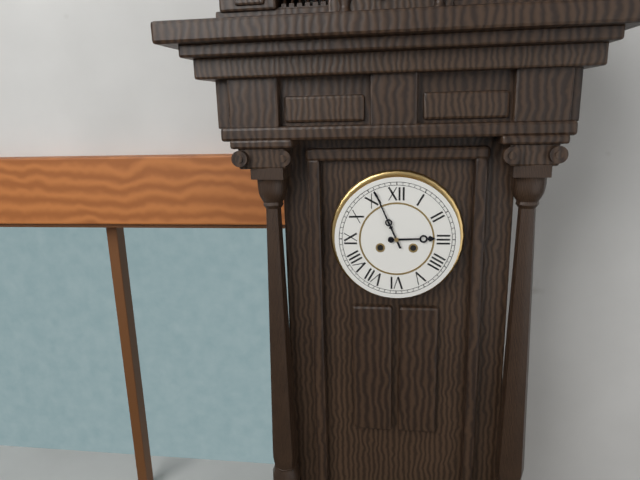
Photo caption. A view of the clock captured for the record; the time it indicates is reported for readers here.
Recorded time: 2:56
